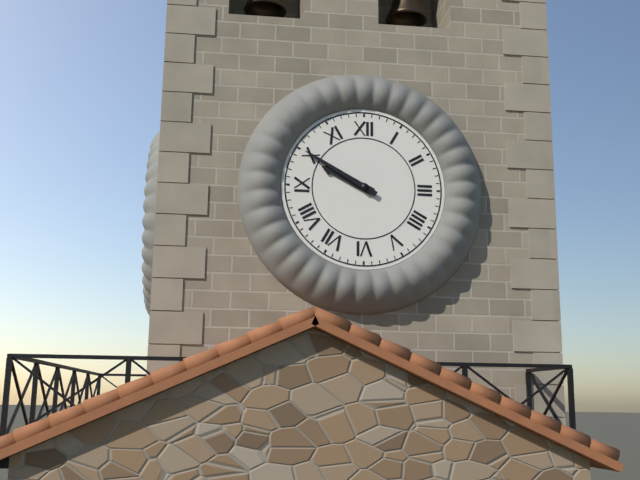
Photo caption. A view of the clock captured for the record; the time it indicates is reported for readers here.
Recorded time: 9:50
